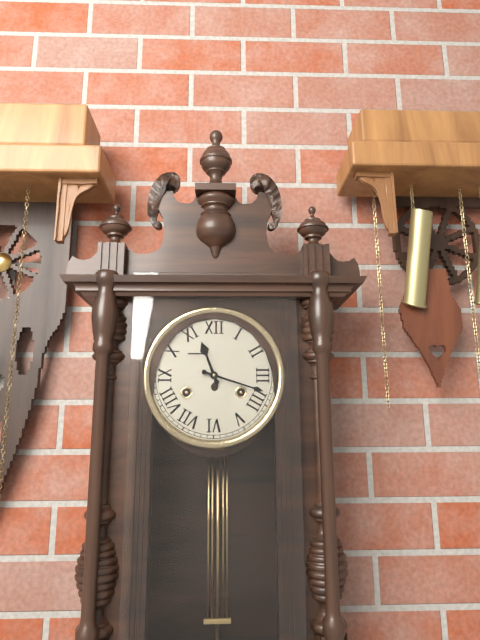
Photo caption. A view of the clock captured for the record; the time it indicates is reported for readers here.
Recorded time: 11:18
